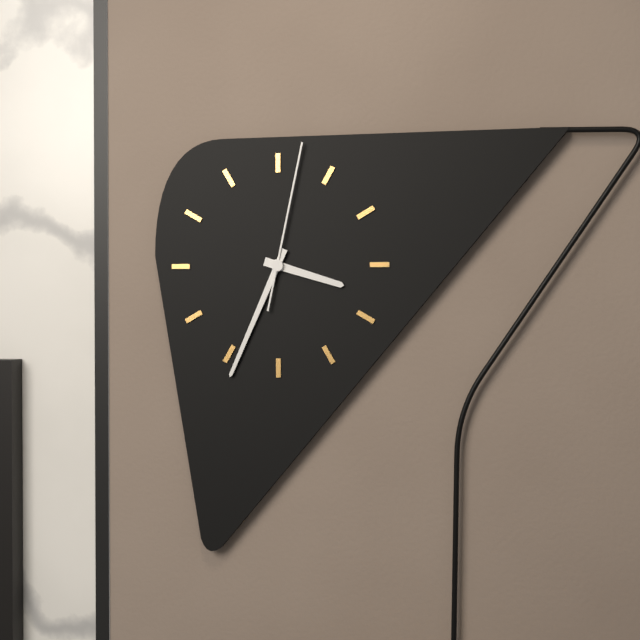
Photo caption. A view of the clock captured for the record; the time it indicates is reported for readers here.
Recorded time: 3:34:02
